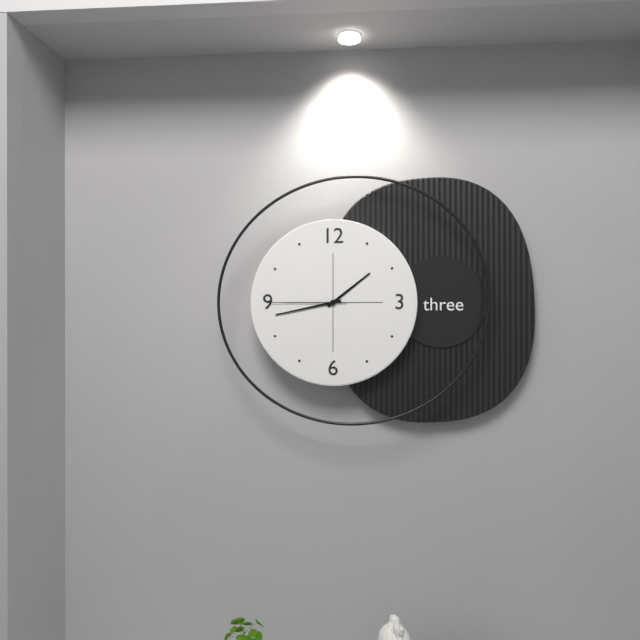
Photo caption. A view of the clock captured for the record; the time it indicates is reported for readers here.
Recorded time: 1:43:45
